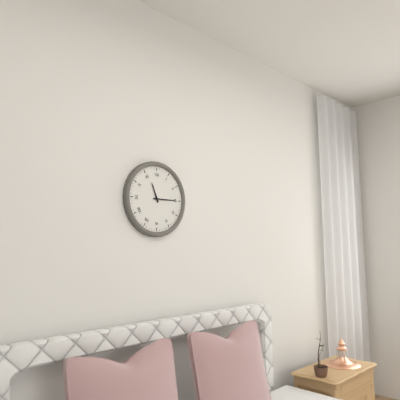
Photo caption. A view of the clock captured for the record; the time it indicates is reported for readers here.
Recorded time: 11:15
